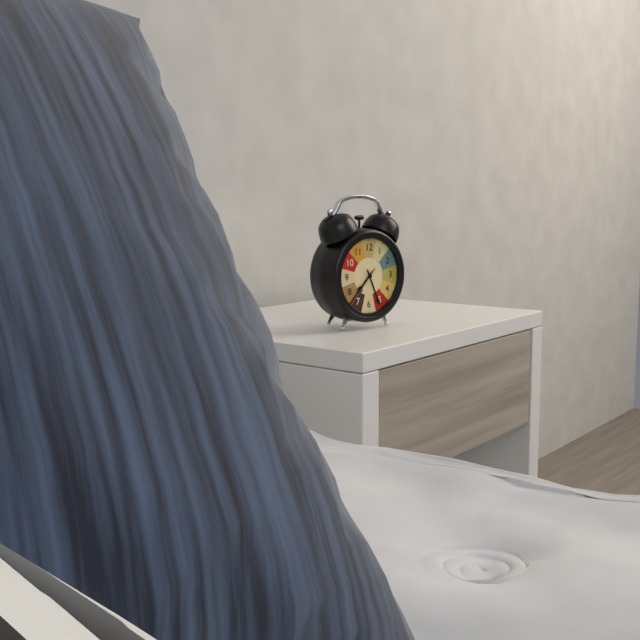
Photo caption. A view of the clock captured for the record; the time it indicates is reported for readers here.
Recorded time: 7:26
